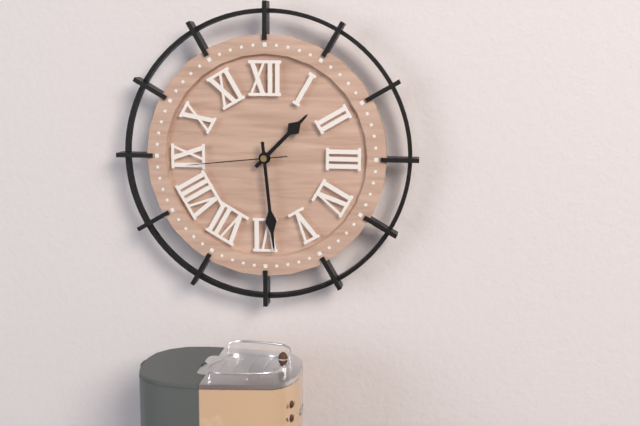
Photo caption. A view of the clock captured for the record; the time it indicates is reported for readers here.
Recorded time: 1:29:44
